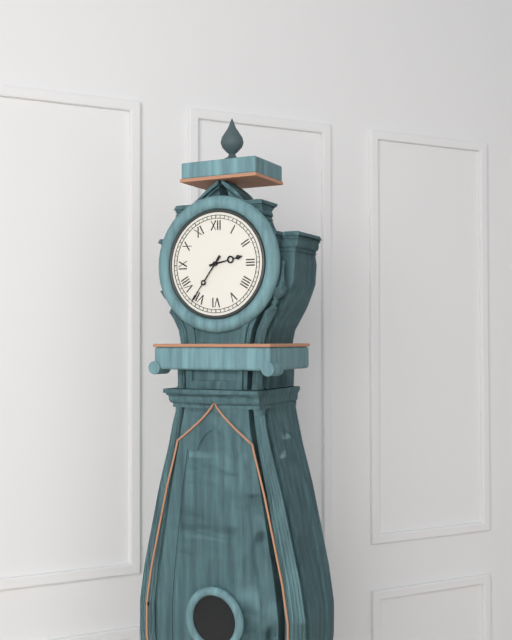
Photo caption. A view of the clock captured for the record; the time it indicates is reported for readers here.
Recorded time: 2:36
